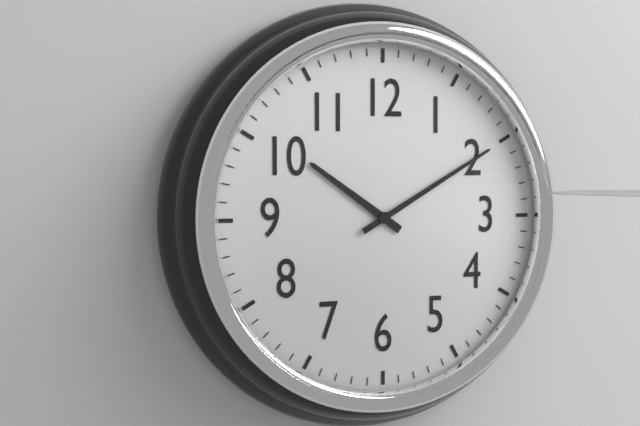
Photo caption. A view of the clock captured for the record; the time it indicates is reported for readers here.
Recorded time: 10:10
